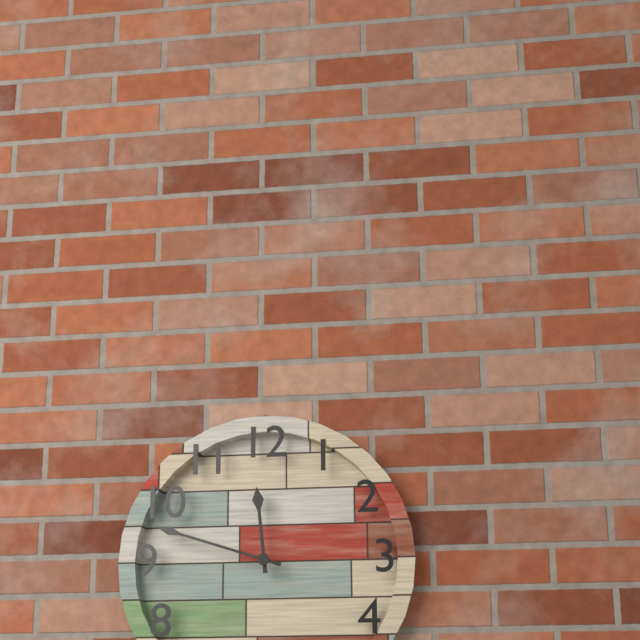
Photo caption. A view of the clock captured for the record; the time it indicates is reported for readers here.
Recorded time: 11:48
